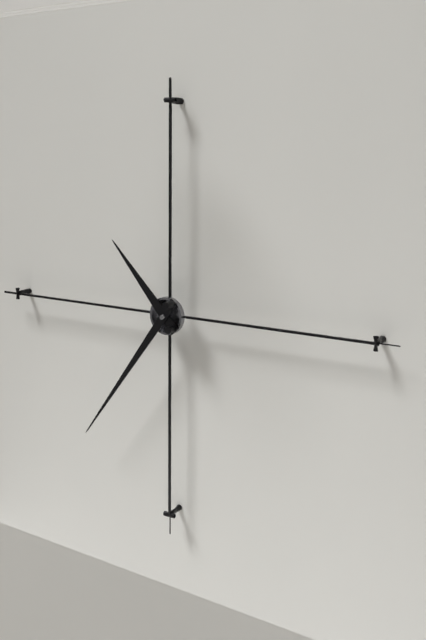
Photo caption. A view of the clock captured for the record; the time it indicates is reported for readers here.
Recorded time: 10:36
